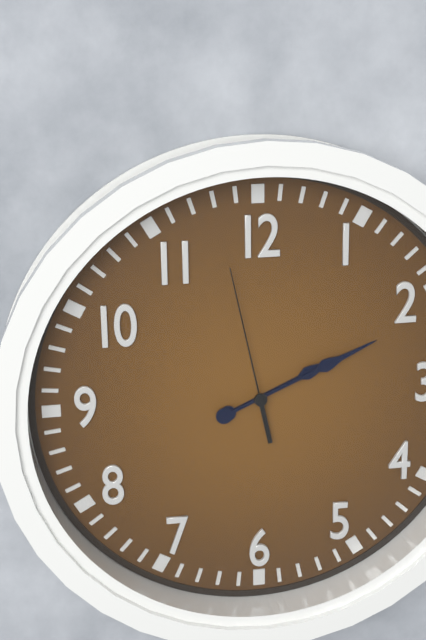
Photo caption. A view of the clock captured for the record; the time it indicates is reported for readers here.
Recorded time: 2:11:58
